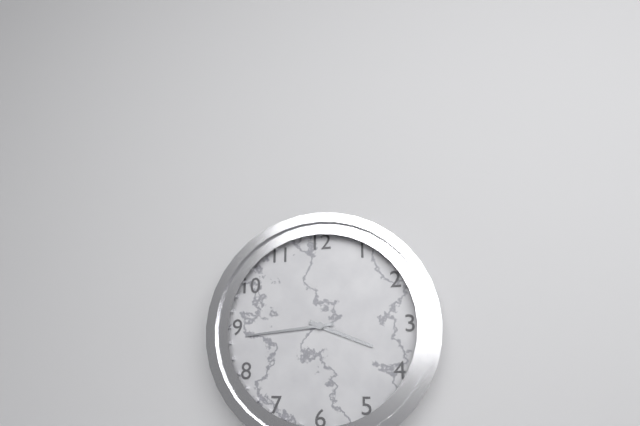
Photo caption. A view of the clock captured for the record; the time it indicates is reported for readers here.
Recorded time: 3:44
